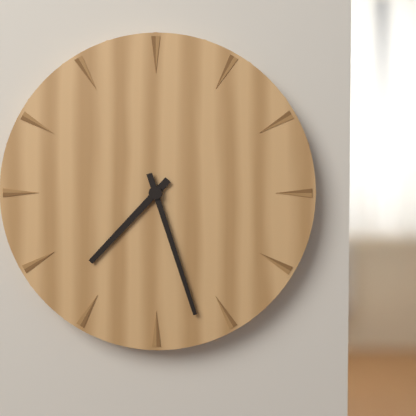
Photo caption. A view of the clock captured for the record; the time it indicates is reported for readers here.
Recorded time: 7:27
